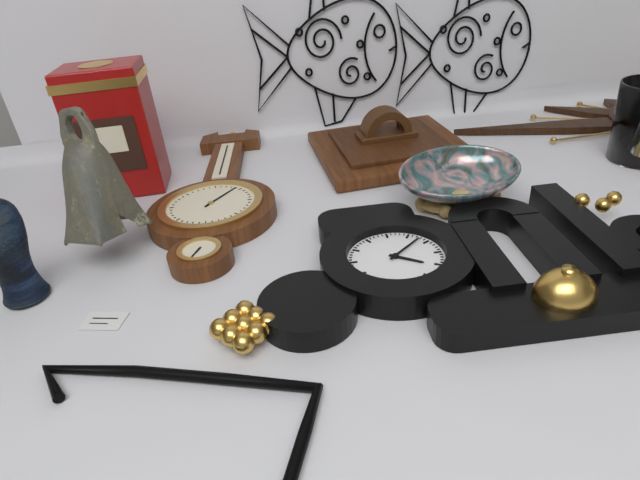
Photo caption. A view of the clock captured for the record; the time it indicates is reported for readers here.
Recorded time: 4:08
